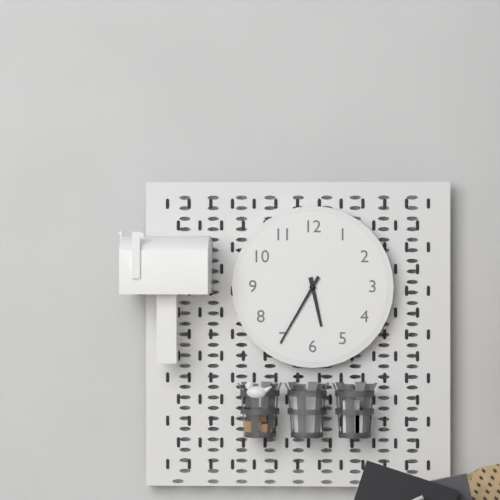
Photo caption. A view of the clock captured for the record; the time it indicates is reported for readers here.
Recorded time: 5:35
